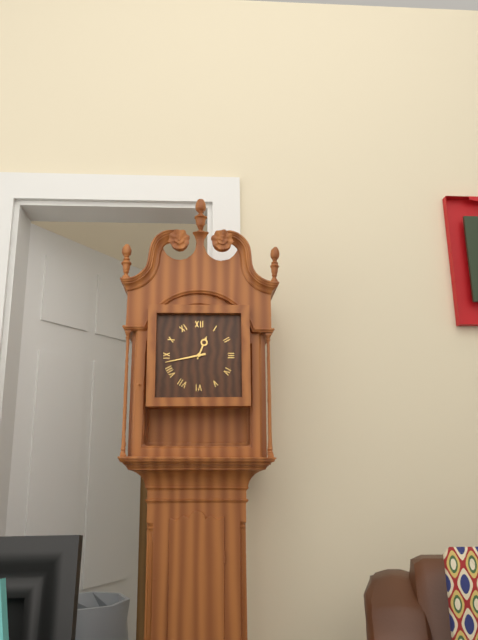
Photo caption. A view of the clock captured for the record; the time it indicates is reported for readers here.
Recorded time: 12:43
